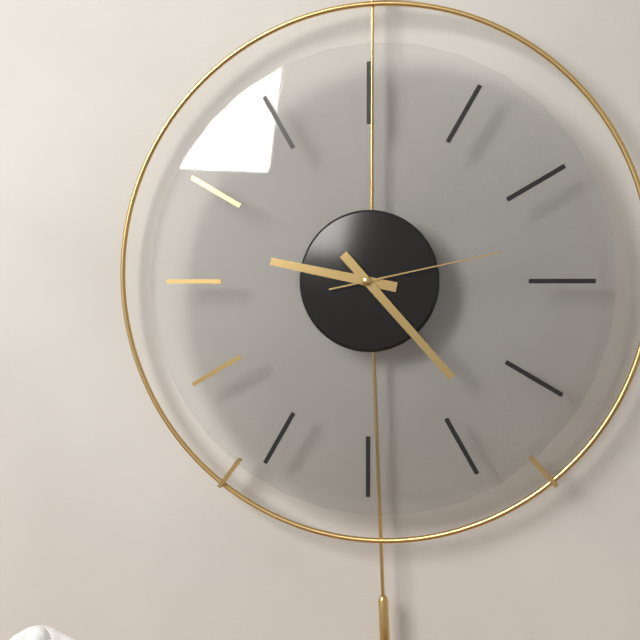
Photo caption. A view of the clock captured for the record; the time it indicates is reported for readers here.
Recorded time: 9:23:13
